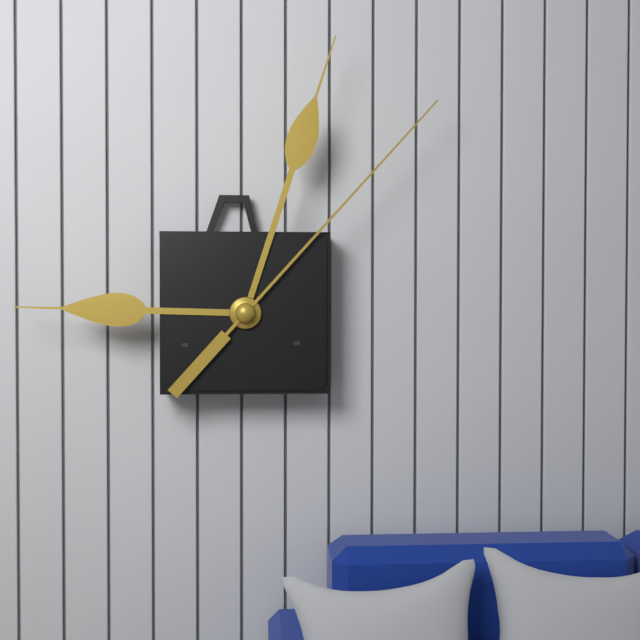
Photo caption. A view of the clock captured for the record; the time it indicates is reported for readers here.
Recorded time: 9:03:07
